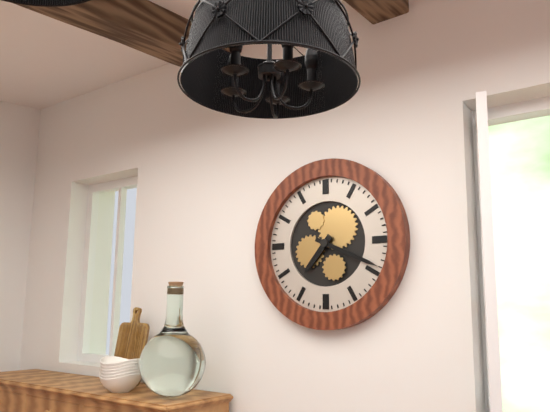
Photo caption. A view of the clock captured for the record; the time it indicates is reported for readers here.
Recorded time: 7:19
